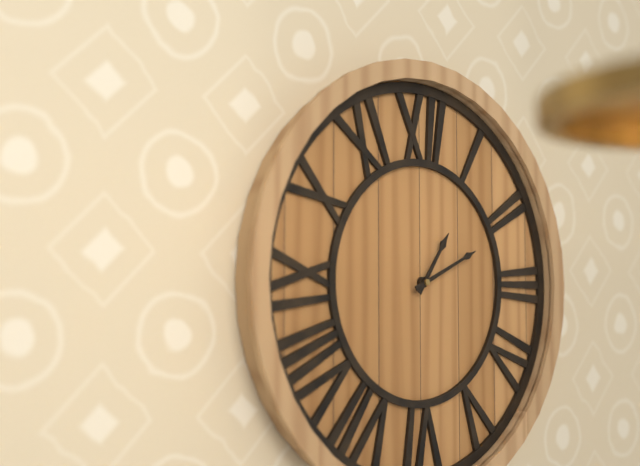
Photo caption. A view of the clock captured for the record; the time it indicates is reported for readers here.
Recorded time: 1:11
